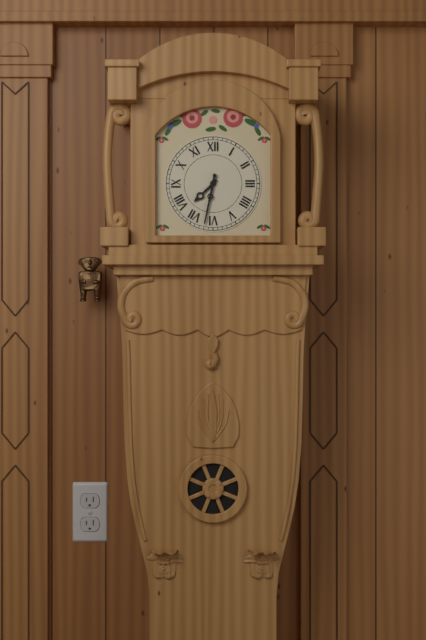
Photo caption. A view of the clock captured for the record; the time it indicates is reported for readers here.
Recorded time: 7:32
